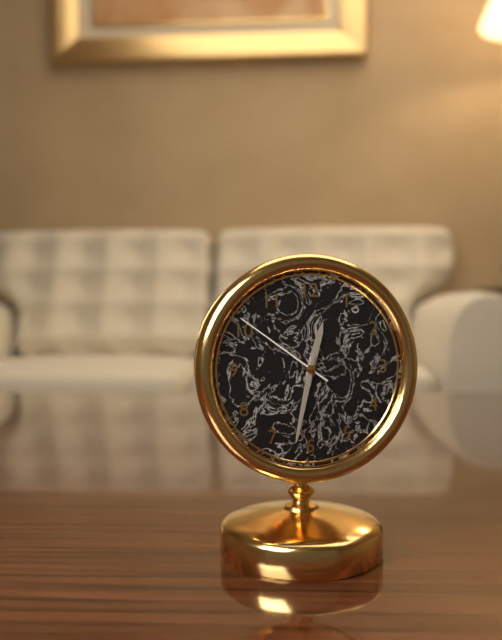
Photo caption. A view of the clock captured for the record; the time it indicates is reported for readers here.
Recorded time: 12:32:51
